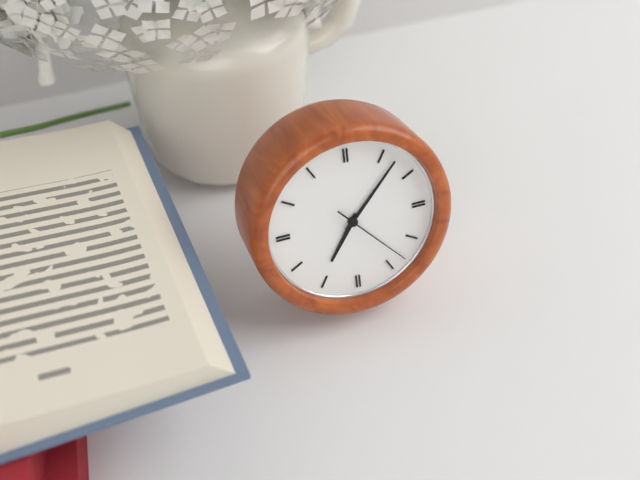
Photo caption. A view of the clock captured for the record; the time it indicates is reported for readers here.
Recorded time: 7:07:23
